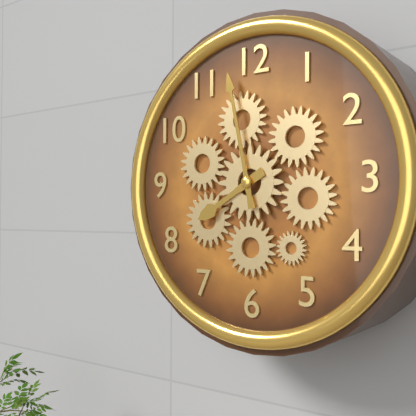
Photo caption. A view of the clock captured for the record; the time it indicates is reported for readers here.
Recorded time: 7:58
